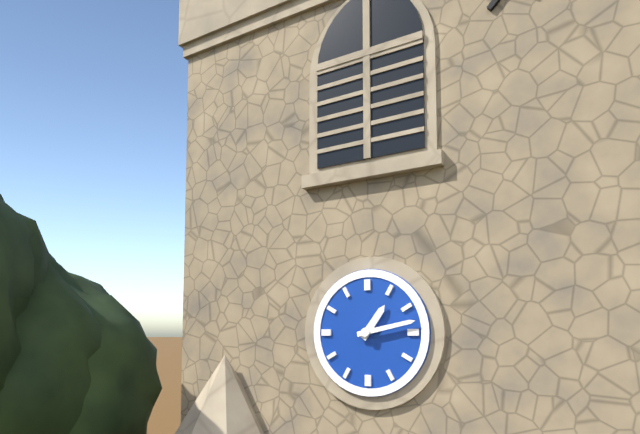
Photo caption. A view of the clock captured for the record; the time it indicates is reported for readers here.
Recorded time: 1:13
